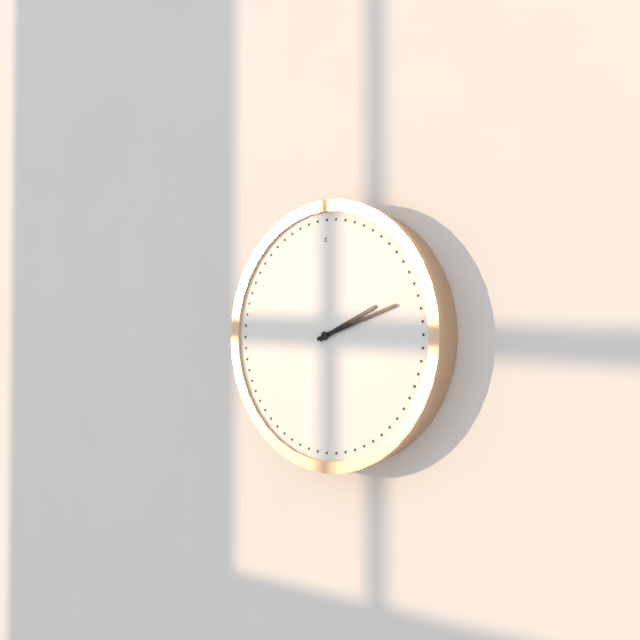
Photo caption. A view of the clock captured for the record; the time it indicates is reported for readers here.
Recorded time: 2:12
